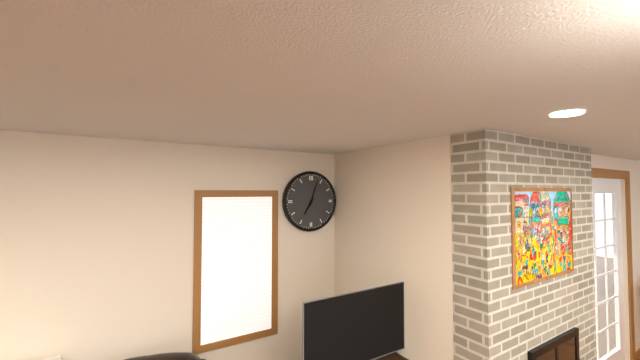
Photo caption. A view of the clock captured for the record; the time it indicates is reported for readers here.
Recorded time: 7:03
